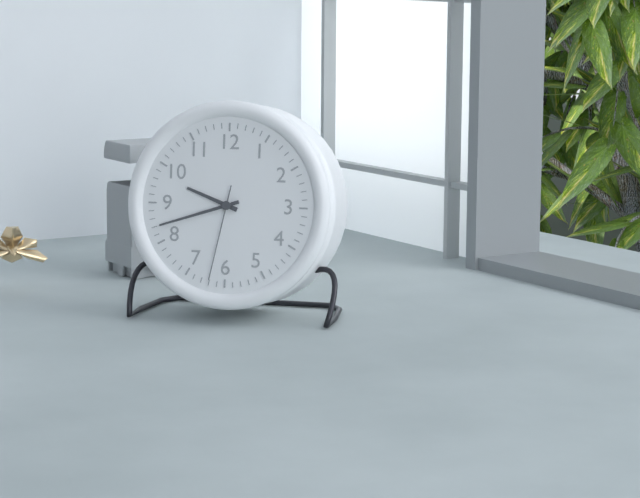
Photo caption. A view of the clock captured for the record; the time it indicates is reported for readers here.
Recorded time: 9:42:32
